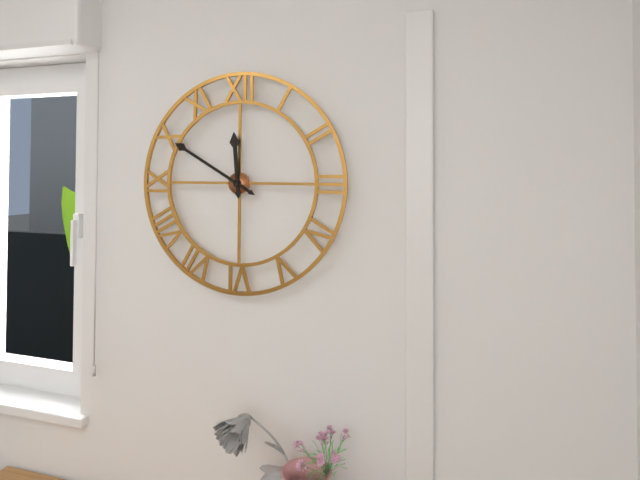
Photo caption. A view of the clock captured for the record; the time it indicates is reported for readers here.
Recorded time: 11:50
